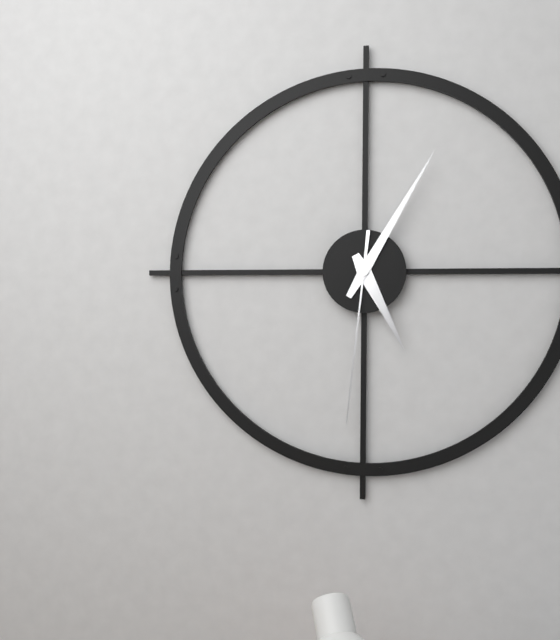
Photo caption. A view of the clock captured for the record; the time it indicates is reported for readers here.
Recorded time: 5:05:31
